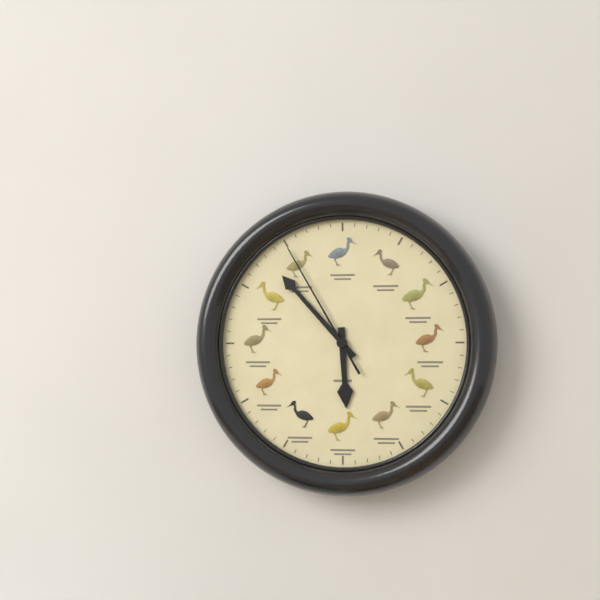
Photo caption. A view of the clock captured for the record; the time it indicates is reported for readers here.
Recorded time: 5:53:55
